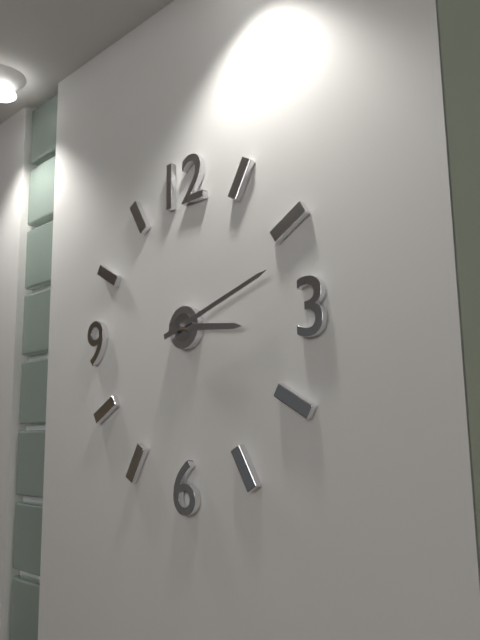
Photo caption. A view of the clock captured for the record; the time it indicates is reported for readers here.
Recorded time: 3:12
